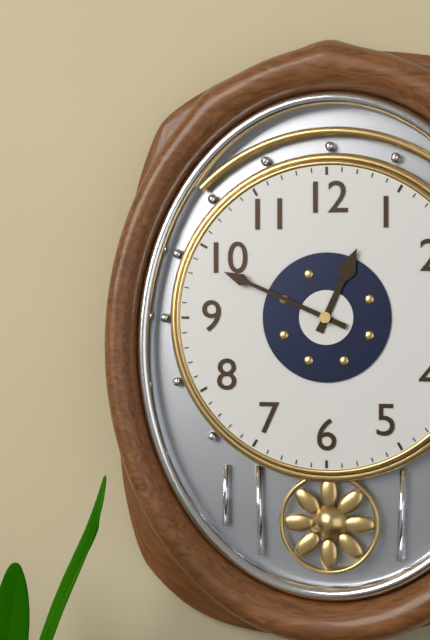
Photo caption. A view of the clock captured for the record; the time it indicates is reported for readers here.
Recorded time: 12:49
